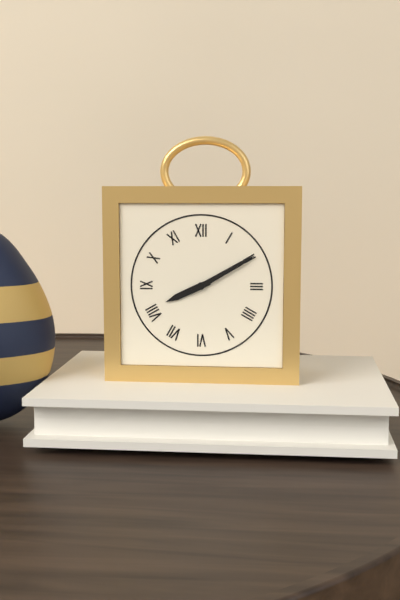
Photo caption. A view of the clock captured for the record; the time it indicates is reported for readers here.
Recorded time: 8:10
